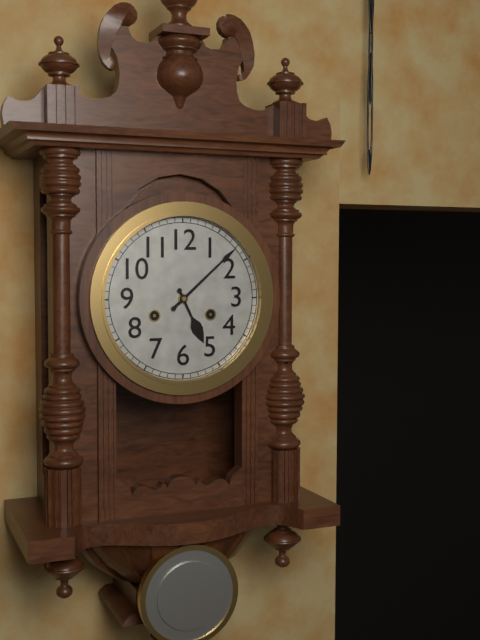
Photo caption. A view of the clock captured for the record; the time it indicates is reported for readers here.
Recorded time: 5:08
